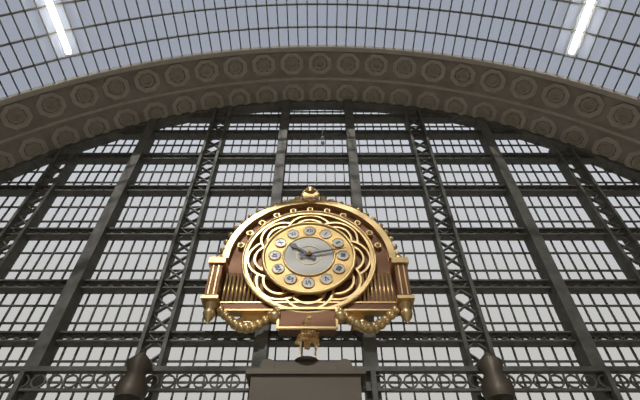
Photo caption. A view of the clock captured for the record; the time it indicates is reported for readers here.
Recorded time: 10:13
